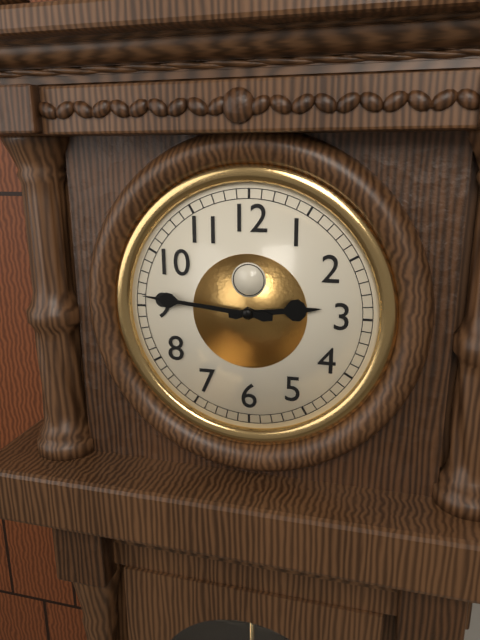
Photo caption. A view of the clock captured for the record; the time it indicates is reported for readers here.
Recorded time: 2:46
